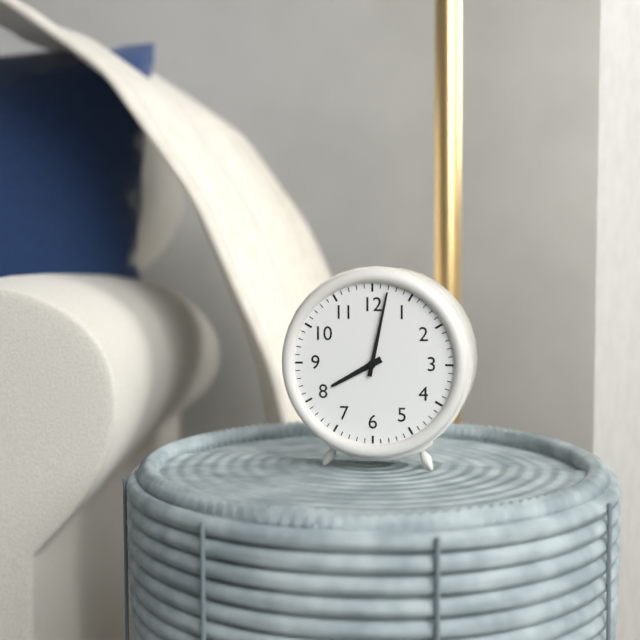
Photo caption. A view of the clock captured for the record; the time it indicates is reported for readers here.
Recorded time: 8:02
